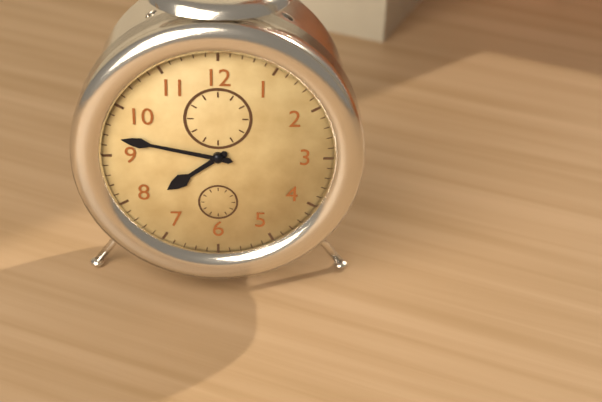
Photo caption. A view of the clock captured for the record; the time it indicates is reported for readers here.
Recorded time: 7:47
